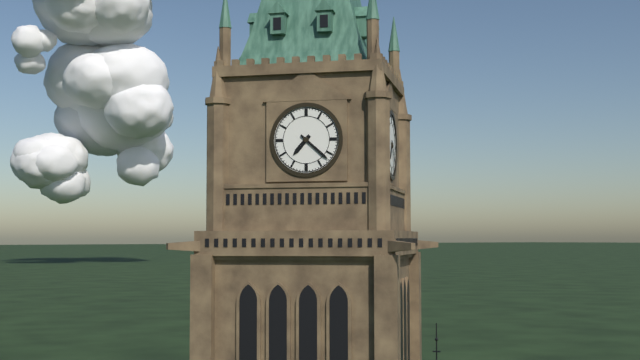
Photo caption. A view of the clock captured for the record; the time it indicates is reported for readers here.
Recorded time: 7:22
